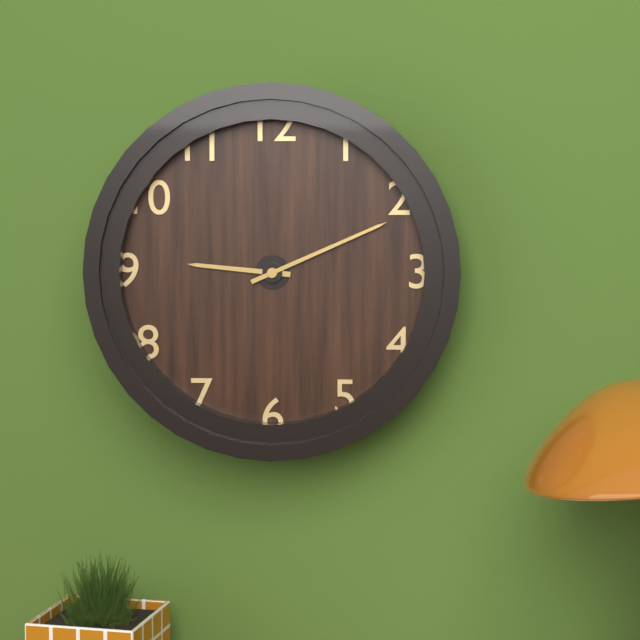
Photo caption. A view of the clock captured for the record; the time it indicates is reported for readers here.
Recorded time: 9:11
